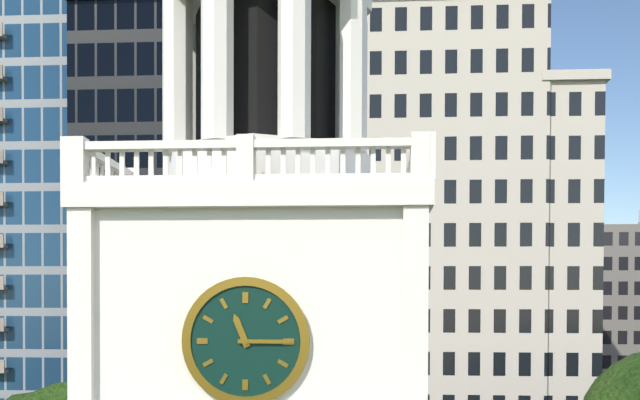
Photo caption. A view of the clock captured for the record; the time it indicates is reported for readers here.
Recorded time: 11:15
